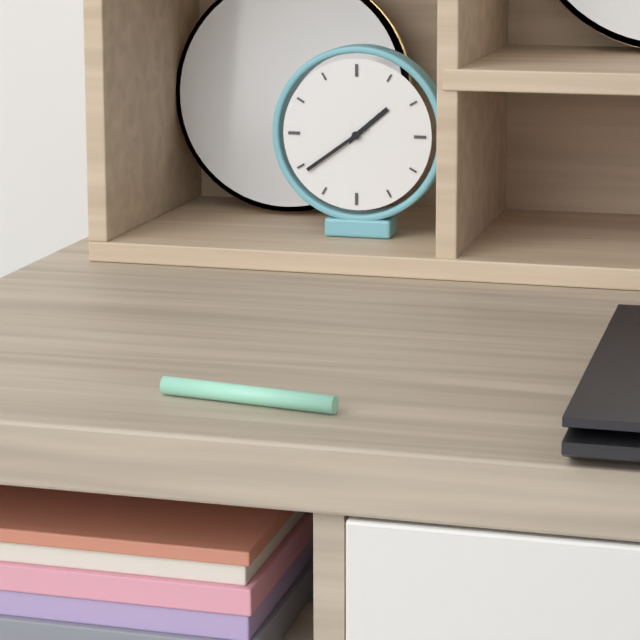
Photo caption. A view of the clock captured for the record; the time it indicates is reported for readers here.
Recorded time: 1:39
